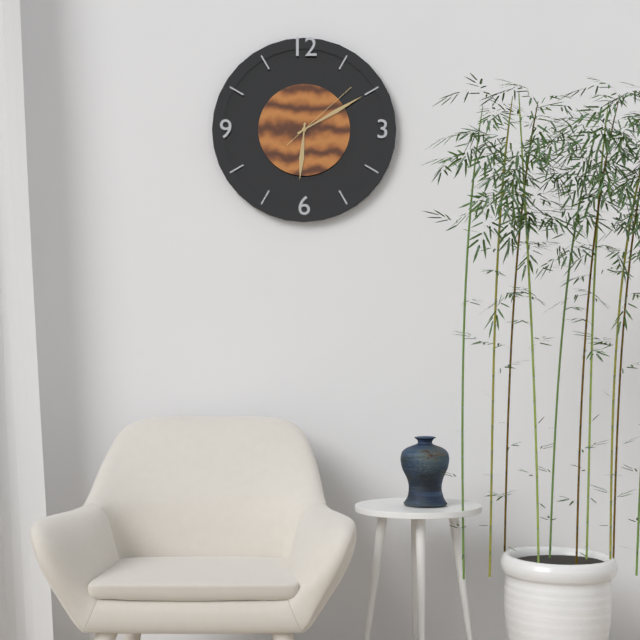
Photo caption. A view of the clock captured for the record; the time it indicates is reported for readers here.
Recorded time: 6:10:08
